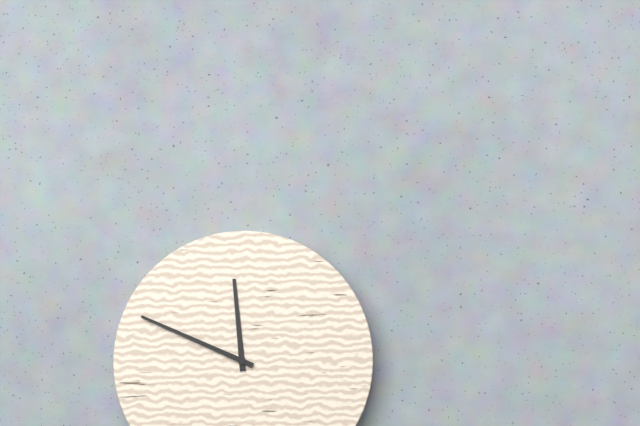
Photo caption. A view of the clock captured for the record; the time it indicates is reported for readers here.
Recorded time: 11:49
